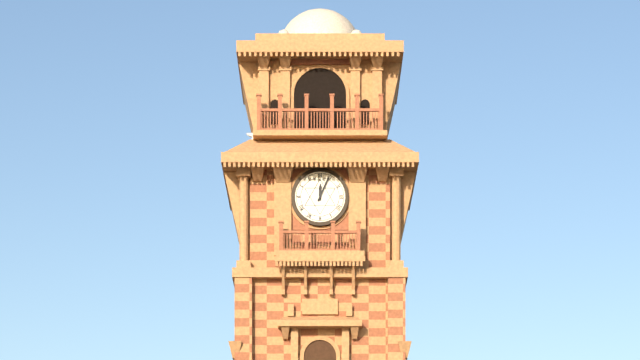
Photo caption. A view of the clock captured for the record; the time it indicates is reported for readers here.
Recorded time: 12:04
